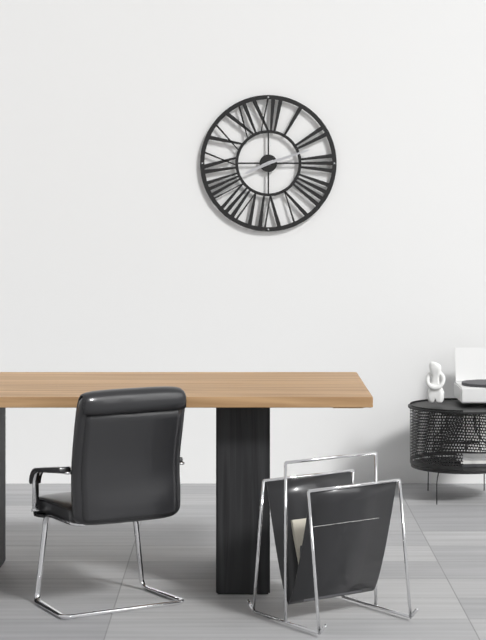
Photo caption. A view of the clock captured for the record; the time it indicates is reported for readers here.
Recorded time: 8:12
